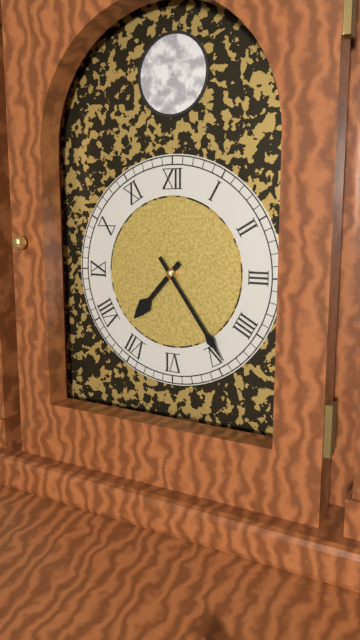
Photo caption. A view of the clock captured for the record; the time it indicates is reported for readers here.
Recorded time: 7:24
